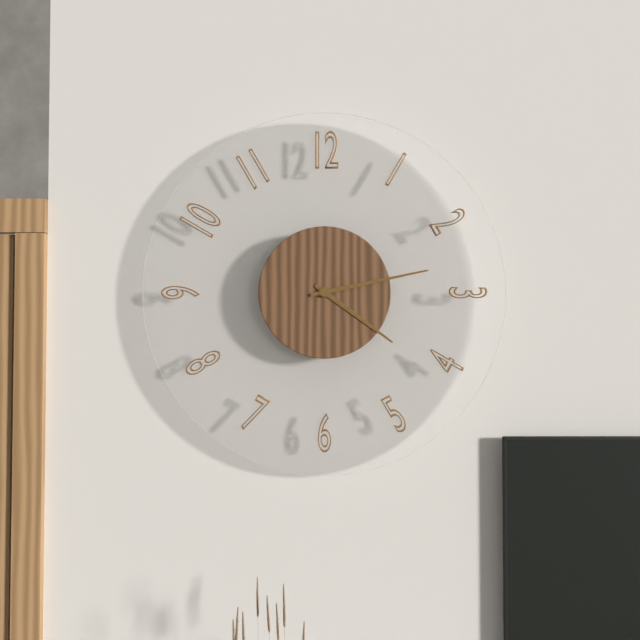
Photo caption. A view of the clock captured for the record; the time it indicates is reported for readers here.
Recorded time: 4:13
